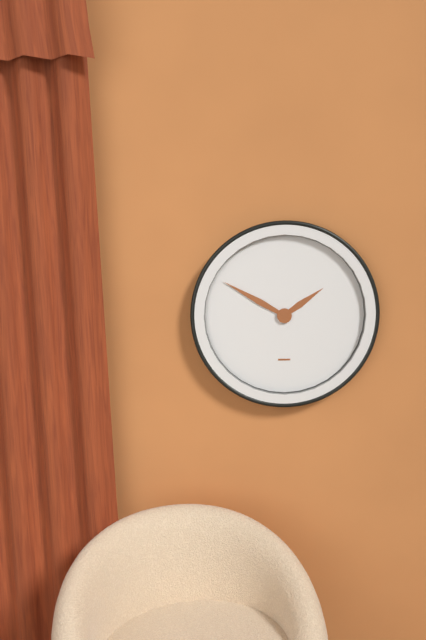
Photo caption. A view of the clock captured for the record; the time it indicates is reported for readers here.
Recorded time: 1:50
